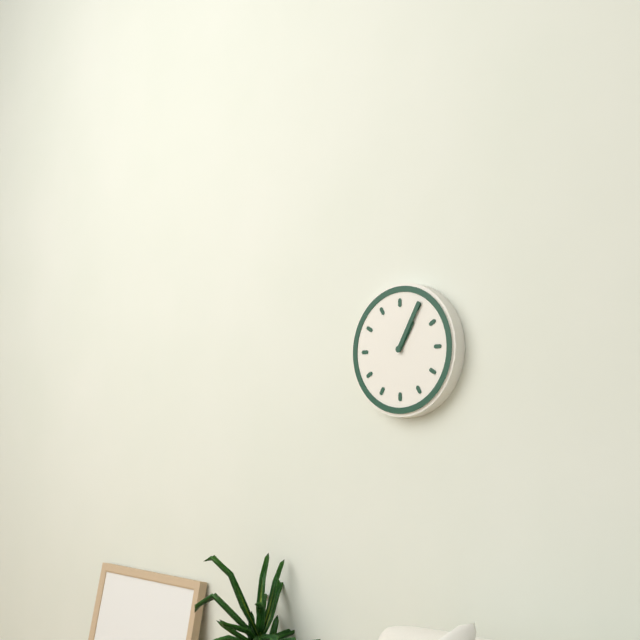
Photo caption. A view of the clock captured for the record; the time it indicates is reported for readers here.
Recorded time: 1:05
